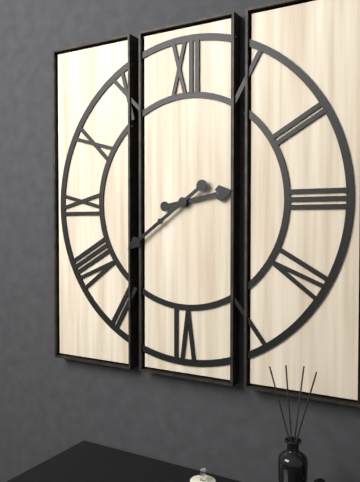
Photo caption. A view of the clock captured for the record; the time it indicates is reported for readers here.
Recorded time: 2:39
